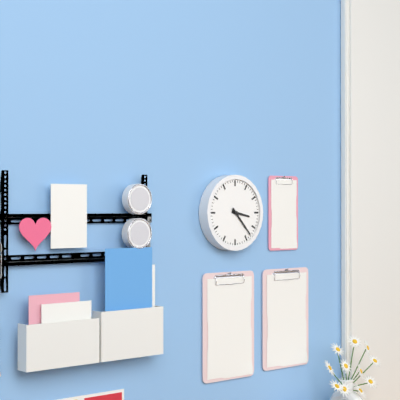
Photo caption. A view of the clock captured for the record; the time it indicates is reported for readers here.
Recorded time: 3:23
